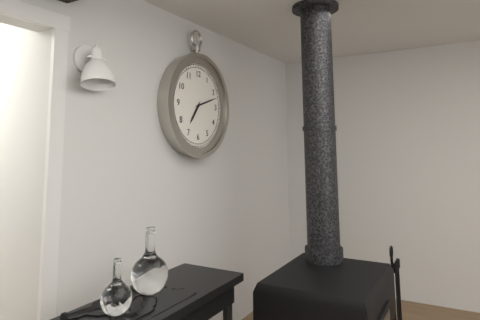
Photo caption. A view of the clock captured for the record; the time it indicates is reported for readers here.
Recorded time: 7:12
